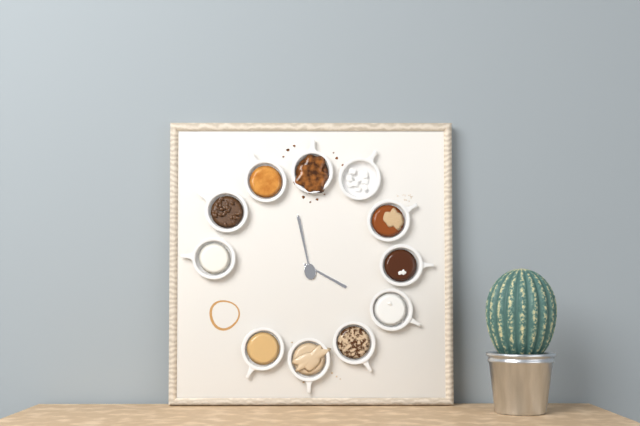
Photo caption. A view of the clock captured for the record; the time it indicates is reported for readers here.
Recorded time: 3:58
